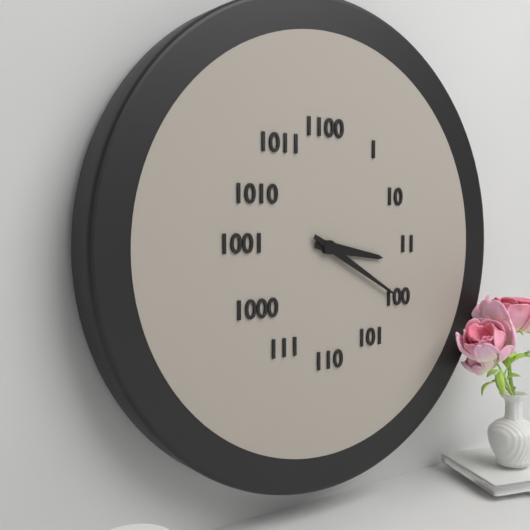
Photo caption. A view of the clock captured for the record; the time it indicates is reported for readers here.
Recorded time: 3:20
